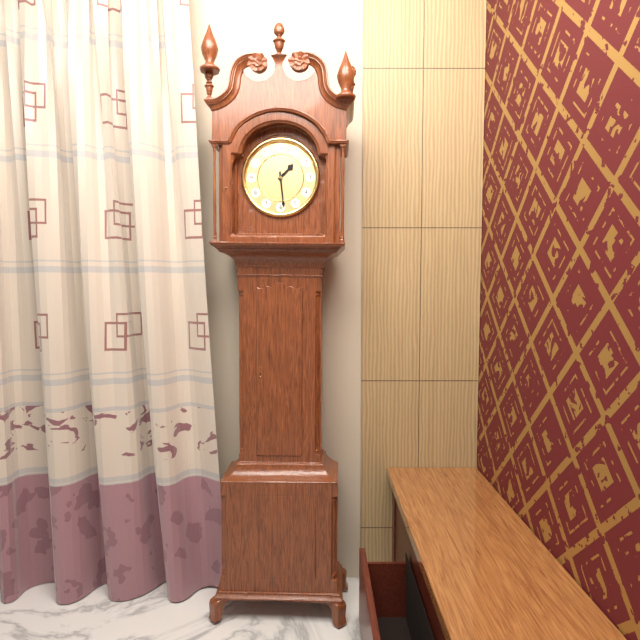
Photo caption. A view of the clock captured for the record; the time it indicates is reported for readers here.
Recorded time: 1:29
